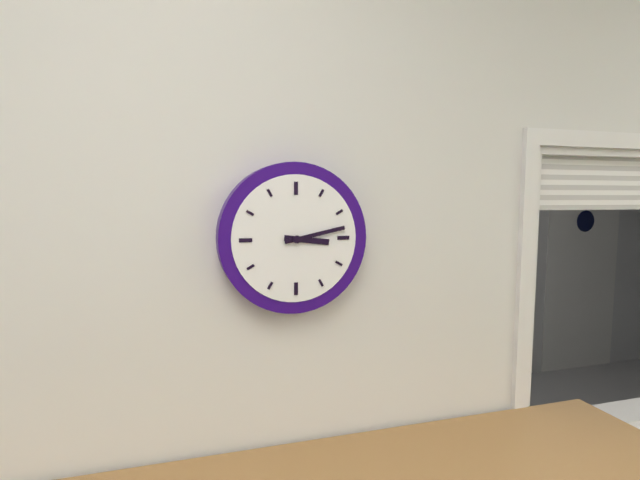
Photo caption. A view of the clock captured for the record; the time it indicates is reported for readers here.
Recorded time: 3:13
